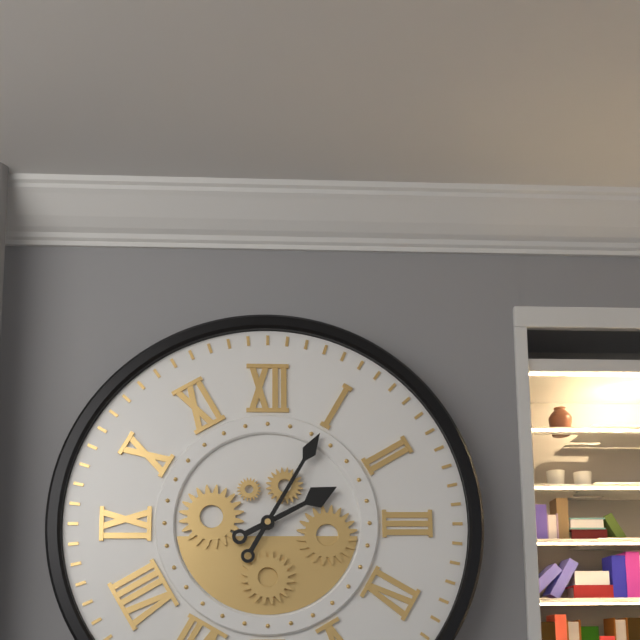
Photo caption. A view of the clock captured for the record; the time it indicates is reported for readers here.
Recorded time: 2:05
